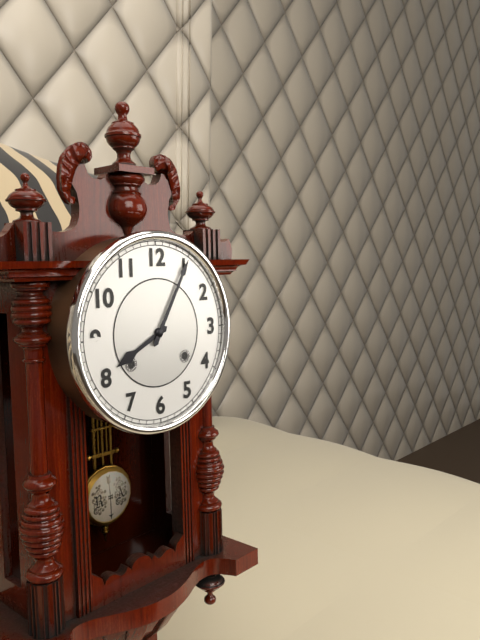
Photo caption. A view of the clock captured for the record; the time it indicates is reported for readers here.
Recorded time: 8:05
